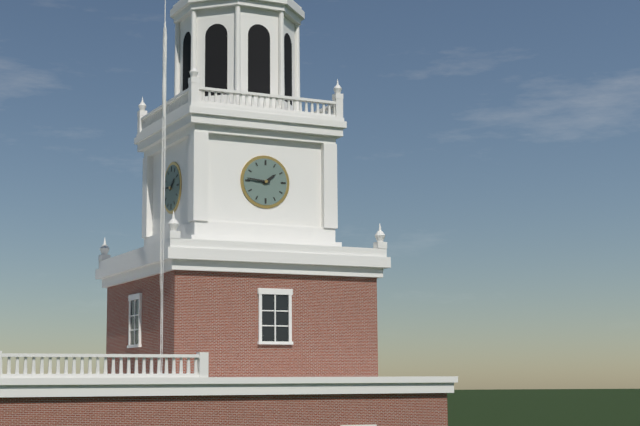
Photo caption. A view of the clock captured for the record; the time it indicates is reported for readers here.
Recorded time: 1:46
